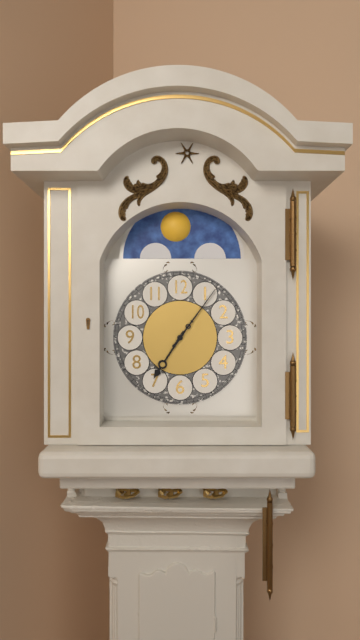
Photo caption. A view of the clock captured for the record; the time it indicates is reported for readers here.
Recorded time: 7:06
